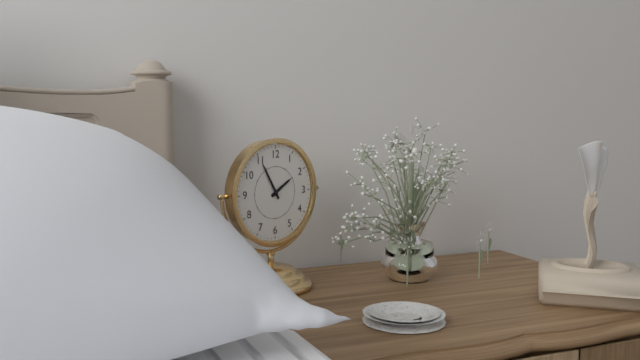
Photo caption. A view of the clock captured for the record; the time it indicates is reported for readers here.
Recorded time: 1:55
